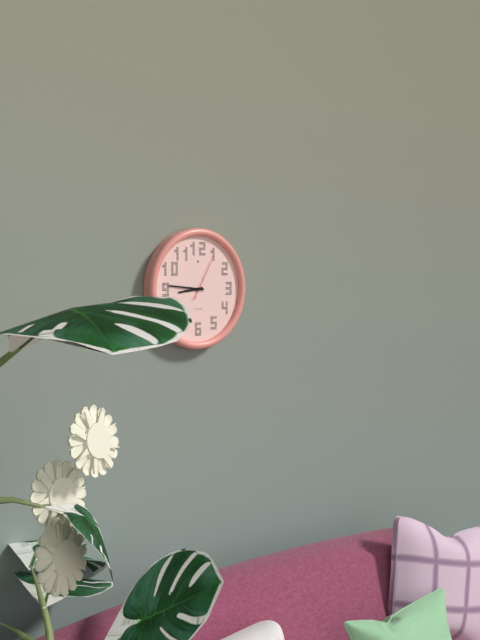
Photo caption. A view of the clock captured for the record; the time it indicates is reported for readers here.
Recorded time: 8:46
